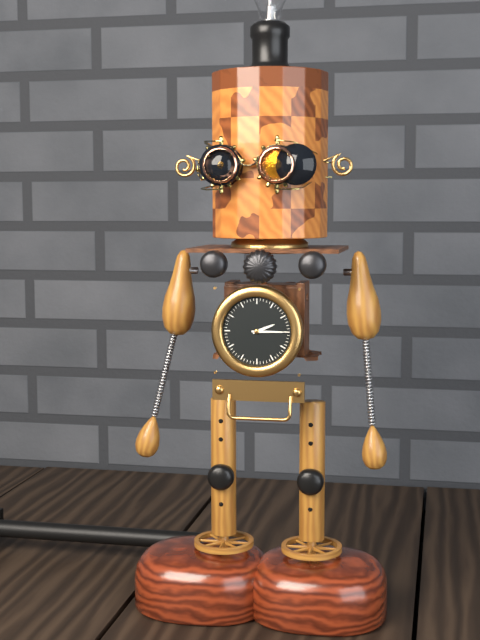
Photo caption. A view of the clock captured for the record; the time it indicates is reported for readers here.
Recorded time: 2:15
